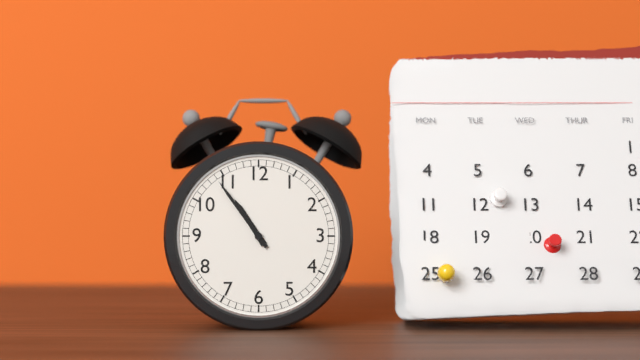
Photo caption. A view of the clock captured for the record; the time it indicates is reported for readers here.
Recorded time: 10:54
